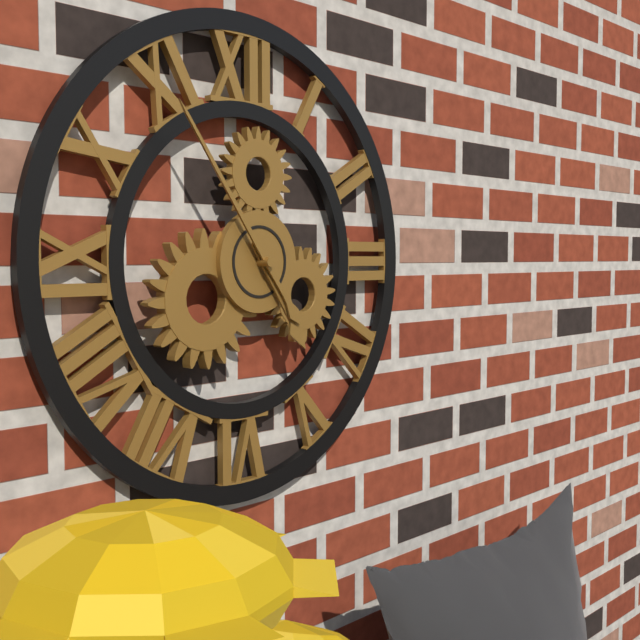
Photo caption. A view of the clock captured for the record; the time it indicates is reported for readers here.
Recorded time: 4:54
